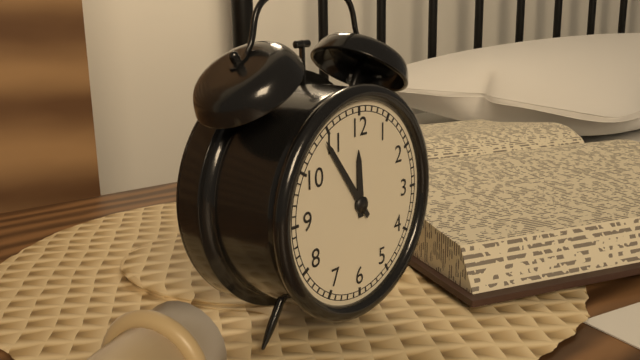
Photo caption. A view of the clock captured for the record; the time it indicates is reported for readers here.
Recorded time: 11:54
